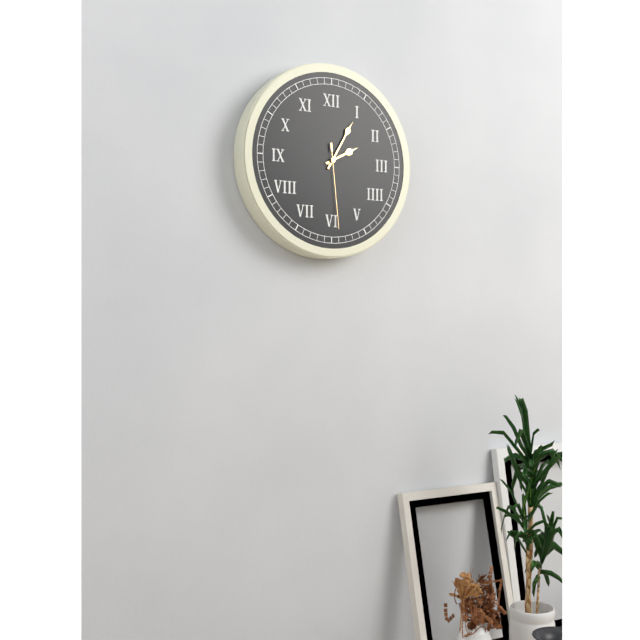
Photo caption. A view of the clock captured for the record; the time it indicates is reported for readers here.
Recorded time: 2:05:29
